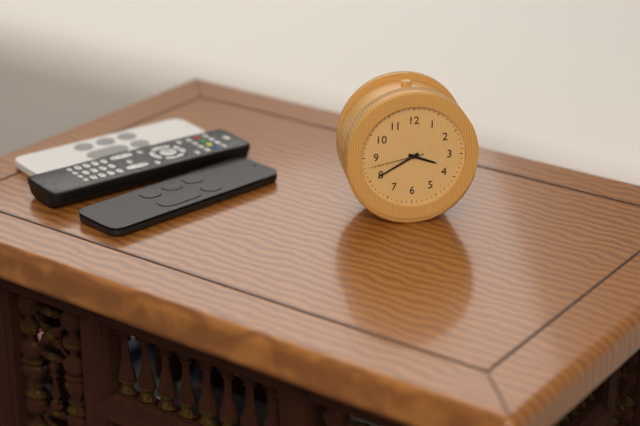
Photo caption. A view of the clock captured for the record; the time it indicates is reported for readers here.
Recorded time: 3:40:43
